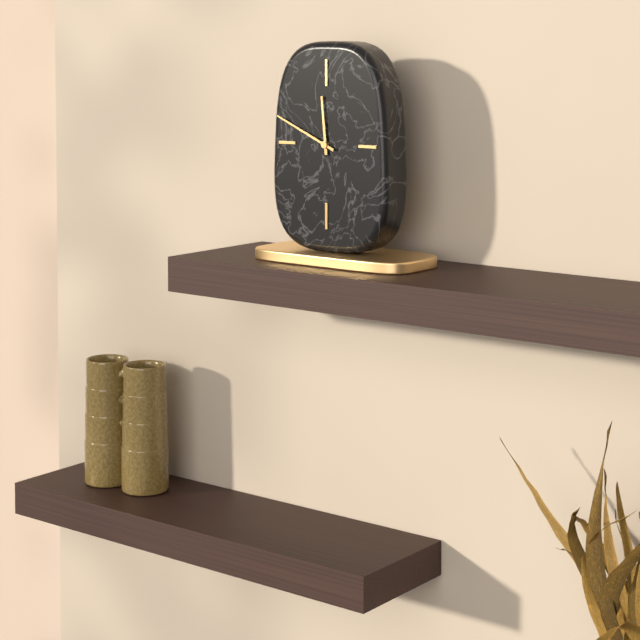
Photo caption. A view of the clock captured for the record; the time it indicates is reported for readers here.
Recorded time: 11:49
